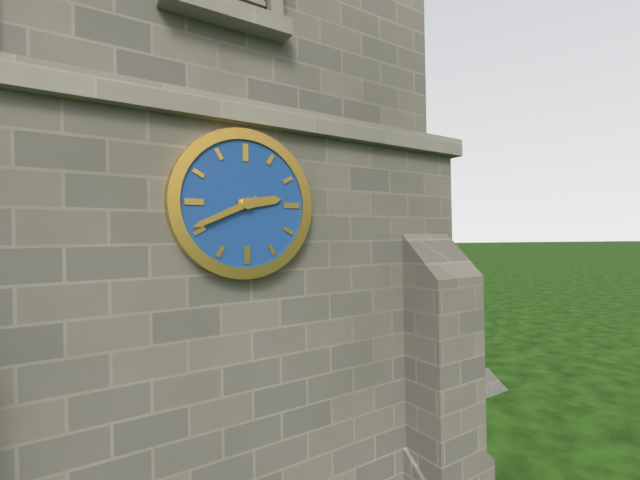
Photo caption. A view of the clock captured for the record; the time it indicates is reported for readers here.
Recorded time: 2:41
